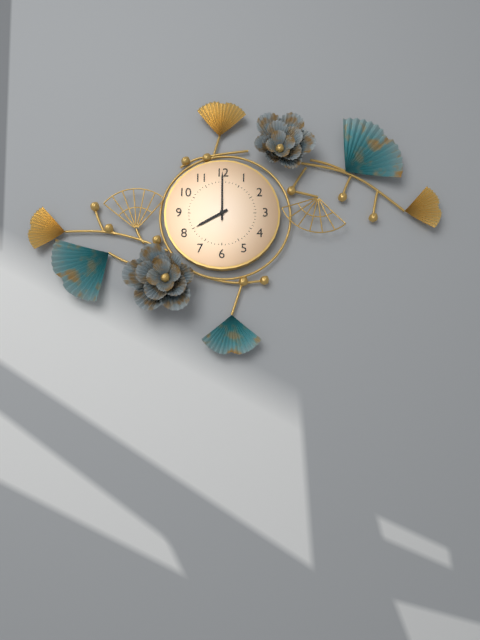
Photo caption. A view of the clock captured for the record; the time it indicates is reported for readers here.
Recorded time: 8:00
